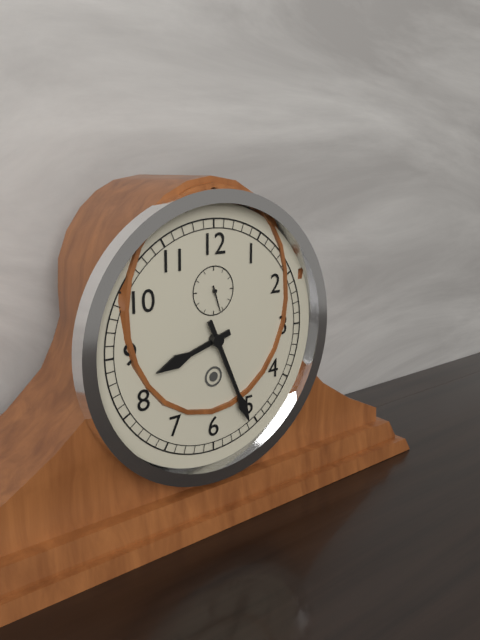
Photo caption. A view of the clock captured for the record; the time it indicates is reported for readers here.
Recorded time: 8:26
